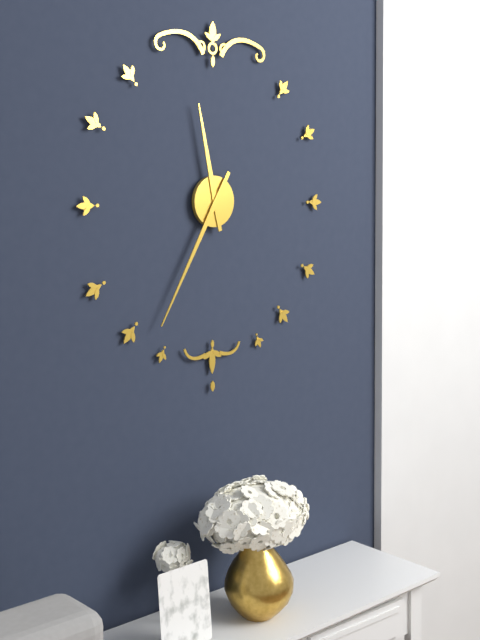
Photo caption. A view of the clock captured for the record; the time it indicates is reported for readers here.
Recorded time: 11:35
